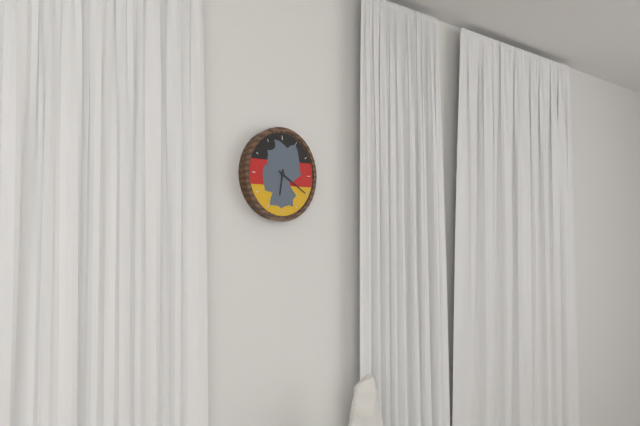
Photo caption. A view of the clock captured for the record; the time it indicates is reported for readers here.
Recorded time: 6:20
